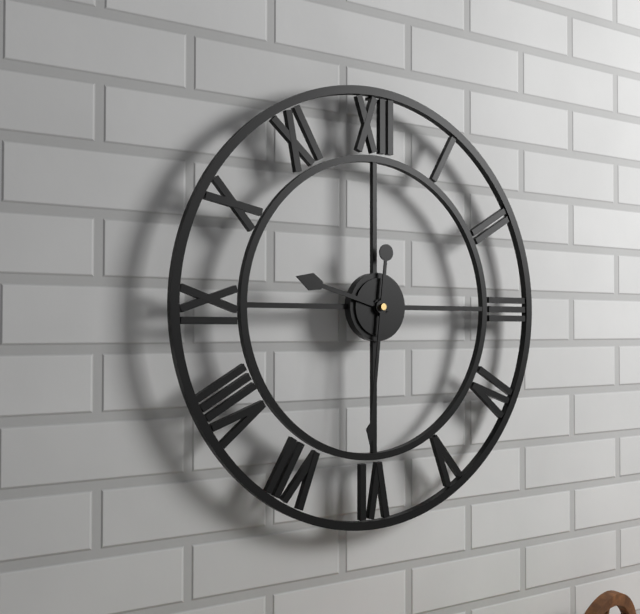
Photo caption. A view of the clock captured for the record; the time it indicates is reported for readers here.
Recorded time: 9:31
